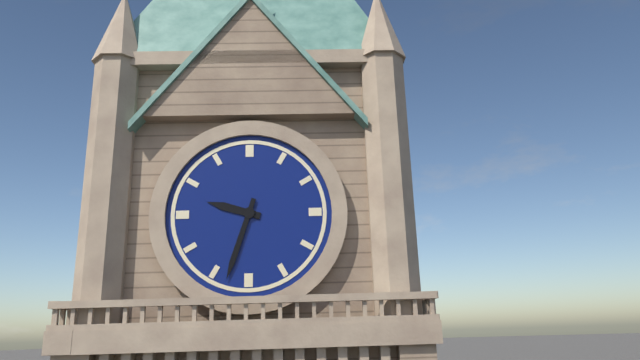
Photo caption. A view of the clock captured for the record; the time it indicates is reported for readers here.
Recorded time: 9:33
